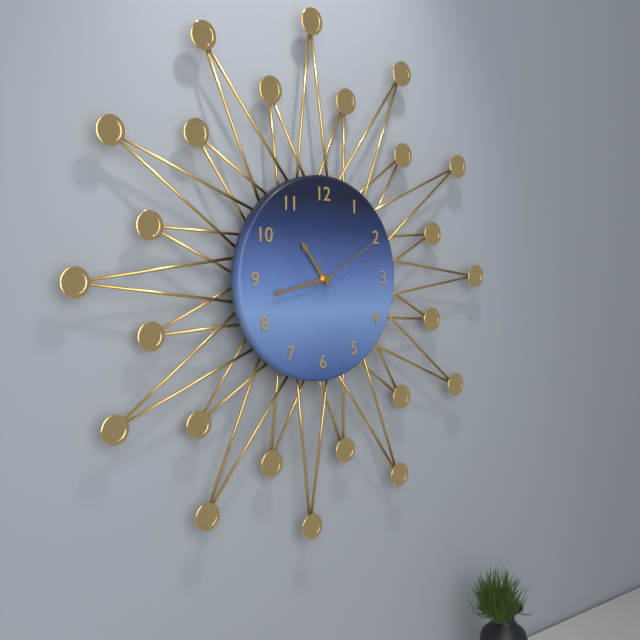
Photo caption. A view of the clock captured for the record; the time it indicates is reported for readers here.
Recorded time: 10:43:10
